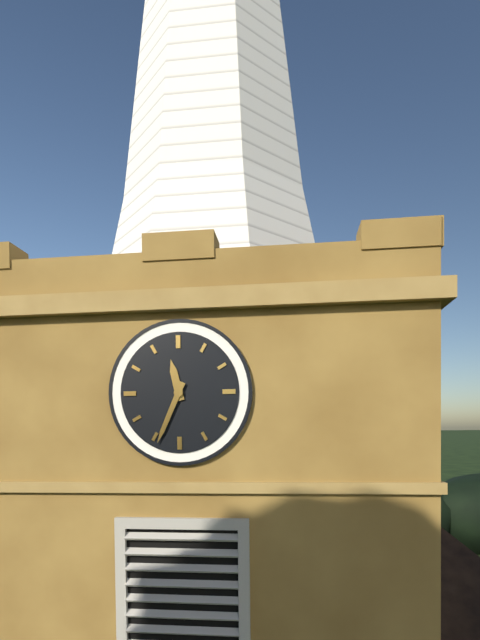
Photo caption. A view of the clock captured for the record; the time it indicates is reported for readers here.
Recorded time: 11:34
